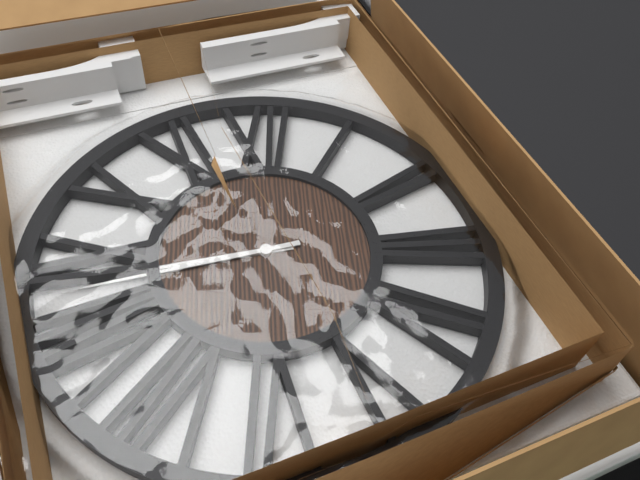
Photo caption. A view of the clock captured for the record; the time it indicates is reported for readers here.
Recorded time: 8:43
